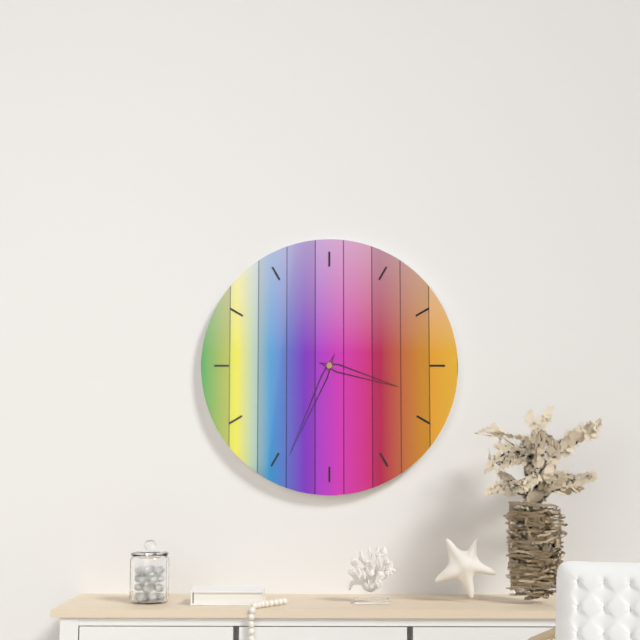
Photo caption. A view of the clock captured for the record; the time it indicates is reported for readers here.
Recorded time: 3:34
